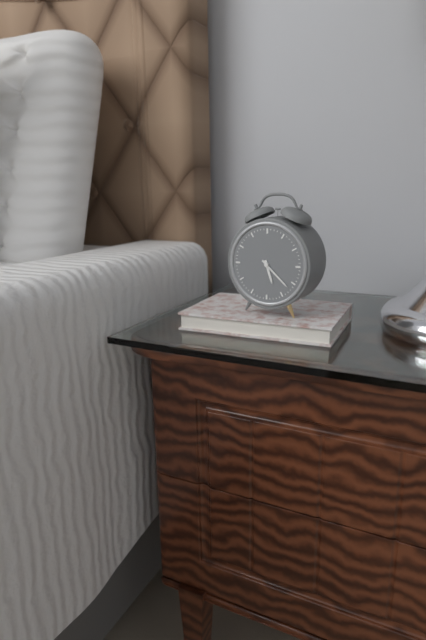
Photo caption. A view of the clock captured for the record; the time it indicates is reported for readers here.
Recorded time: 5:22
